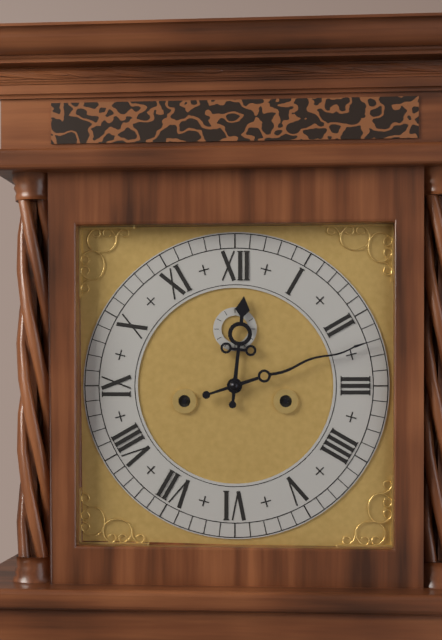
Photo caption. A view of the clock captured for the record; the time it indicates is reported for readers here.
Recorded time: 12:12
